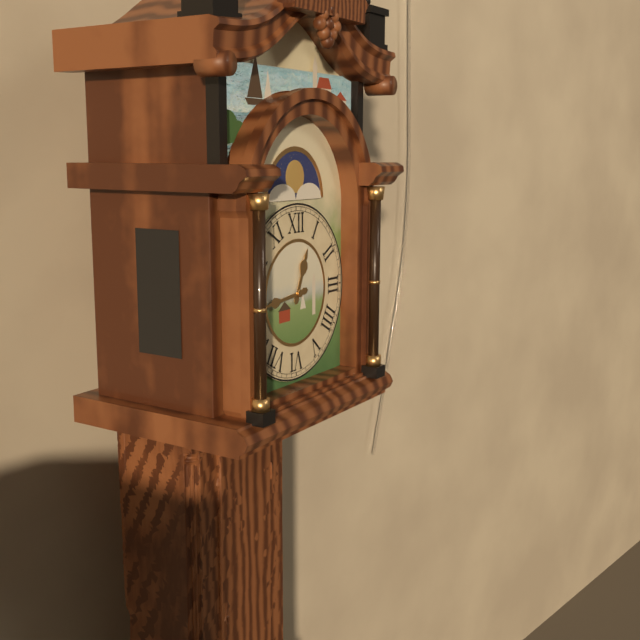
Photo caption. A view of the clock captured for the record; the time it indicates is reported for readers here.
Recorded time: 12:44
